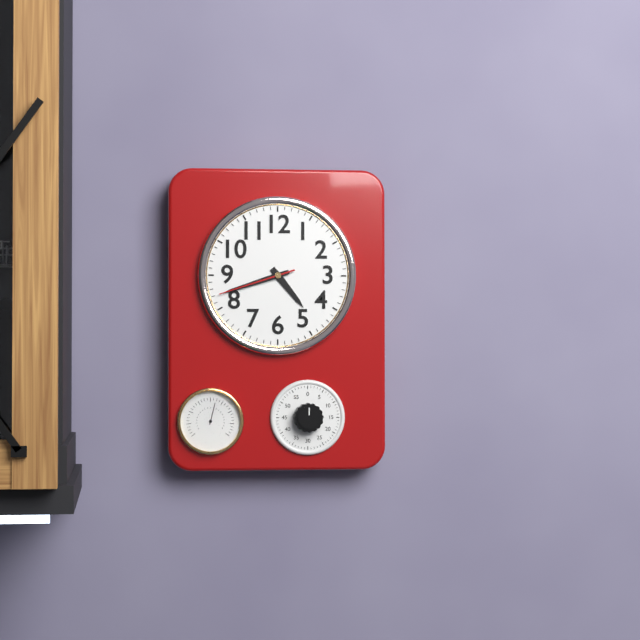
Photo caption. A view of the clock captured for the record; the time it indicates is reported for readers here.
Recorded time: 4:42:42
